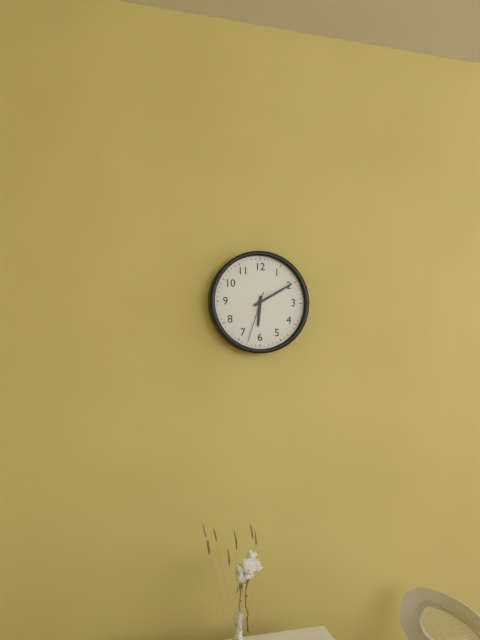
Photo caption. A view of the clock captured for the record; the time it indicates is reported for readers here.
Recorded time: 6:10:33
